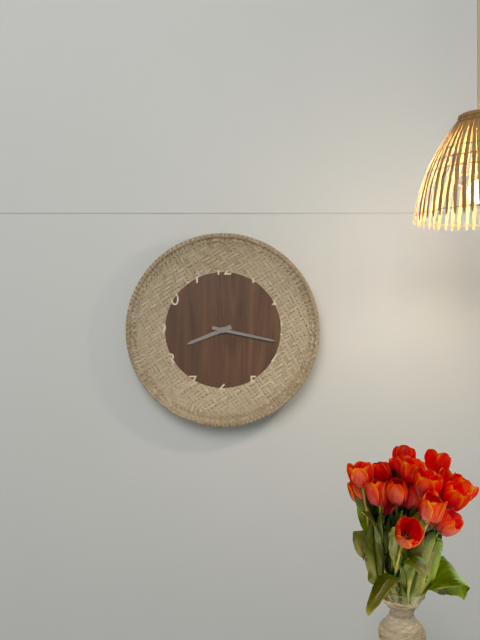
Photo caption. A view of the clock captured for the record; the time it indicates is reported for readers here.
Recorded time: 8:17
